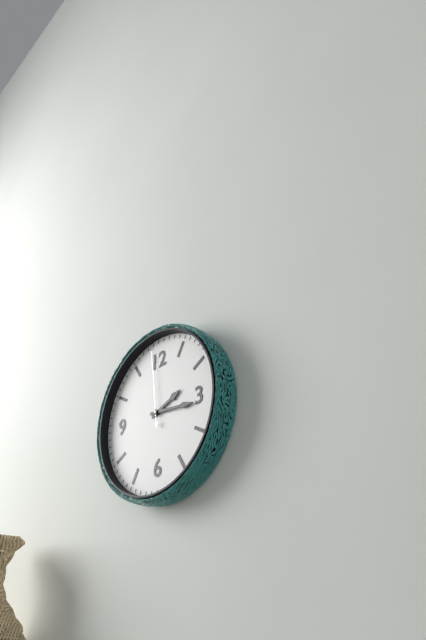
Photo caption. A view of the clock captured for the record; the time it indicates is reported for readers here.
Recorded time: 2:16:59
